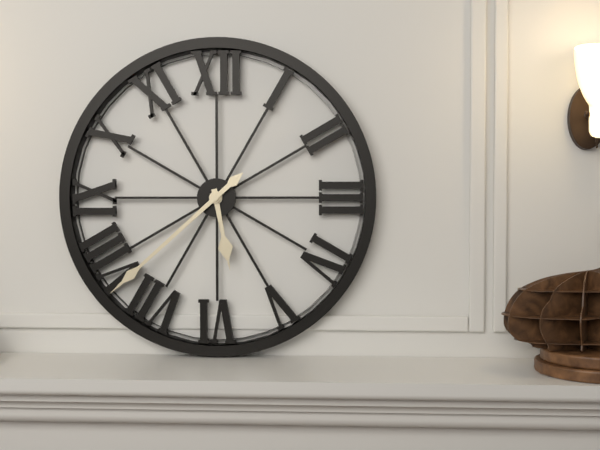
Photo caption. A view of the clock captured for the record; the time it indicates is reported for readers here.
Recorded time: 5:38
